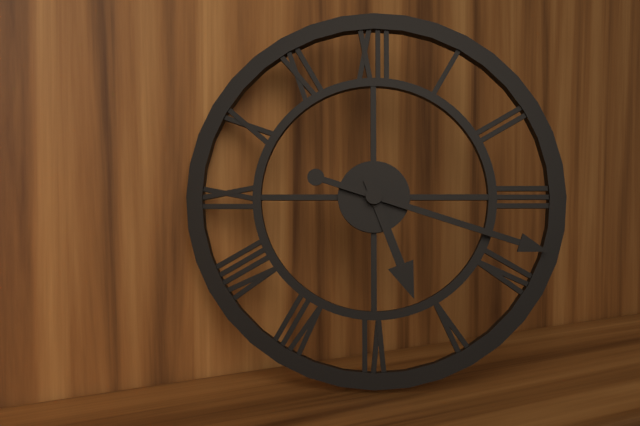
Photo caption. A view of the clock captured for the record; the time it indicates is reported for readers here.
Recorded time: 5:18
